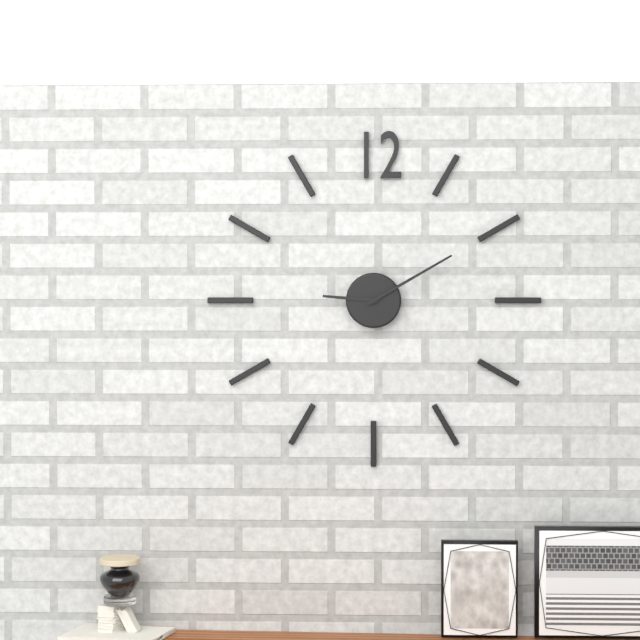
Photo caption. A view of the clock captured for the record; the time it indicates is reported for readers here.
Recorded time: 9:10
